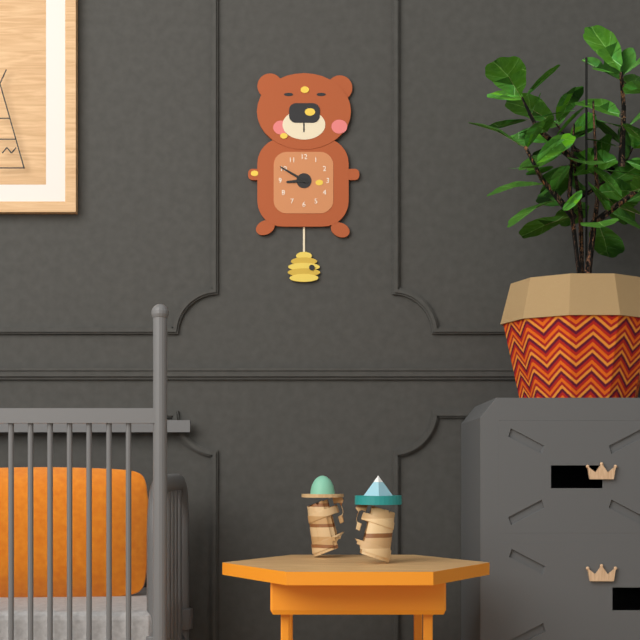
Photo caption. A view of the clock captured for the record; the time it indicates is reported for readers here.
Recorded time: 8:50
